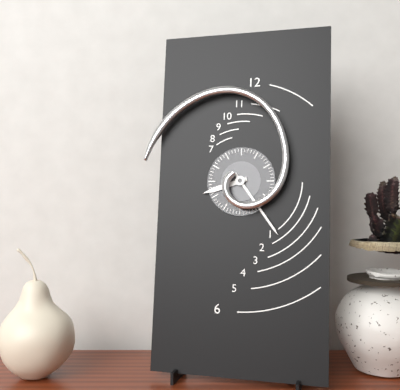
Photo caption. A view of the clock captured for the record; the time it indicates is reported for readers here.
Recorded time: 8:24
